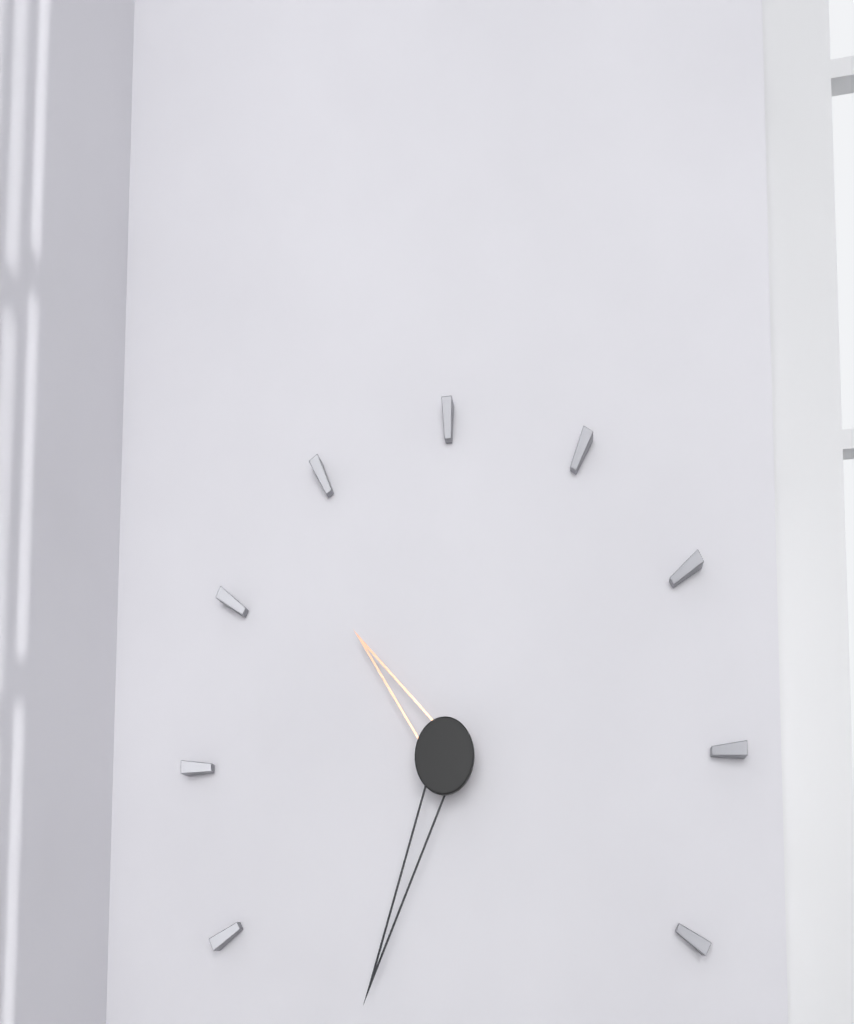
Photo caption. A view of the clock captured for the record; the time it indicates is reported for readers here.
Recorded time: 10:34
